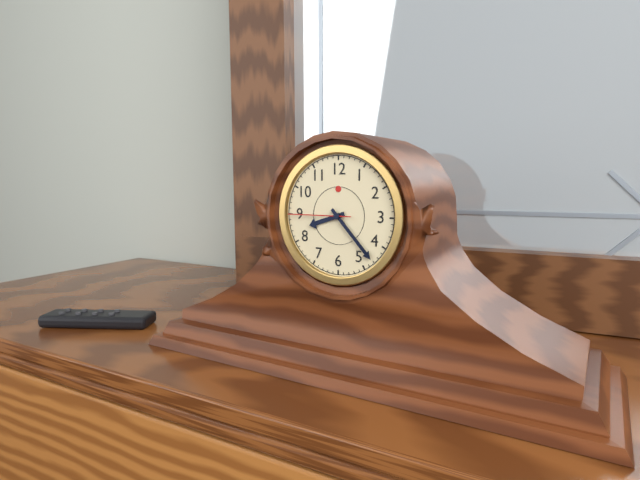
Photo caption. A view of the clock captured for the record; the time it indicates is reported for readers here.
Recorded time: 8:23:45
